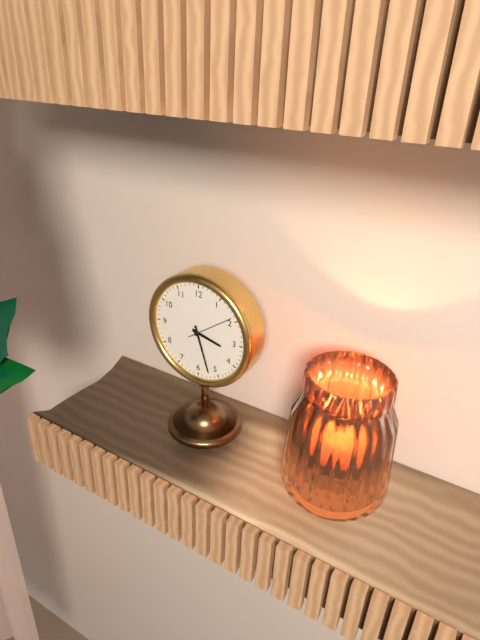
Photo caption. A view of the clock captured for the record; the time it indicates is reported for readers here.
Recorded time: 3:27
